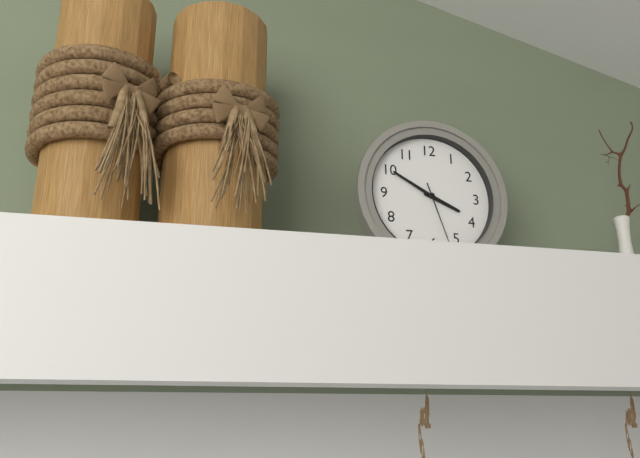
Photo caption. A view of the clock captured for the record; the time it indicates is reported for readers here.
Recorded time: 3:50:27
